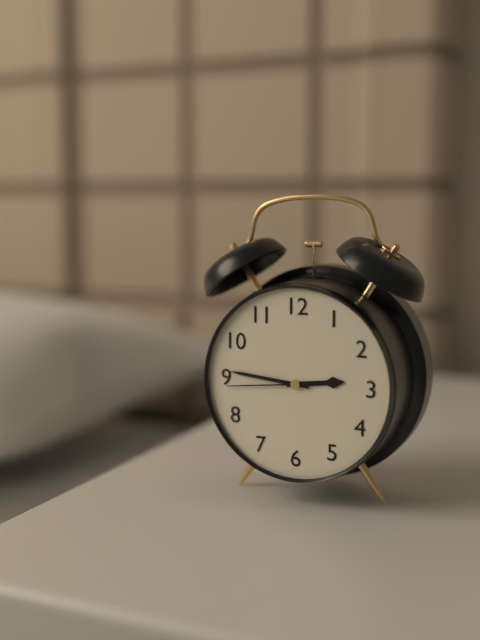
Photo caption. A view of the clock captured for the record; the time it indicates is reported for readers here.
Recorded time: 2:46:44
